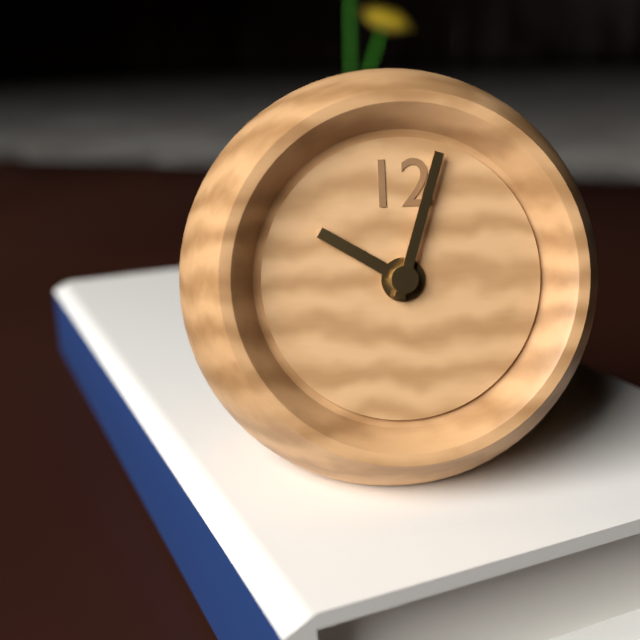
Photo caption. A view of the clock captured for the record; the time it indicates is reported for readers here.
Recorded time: 10:03
